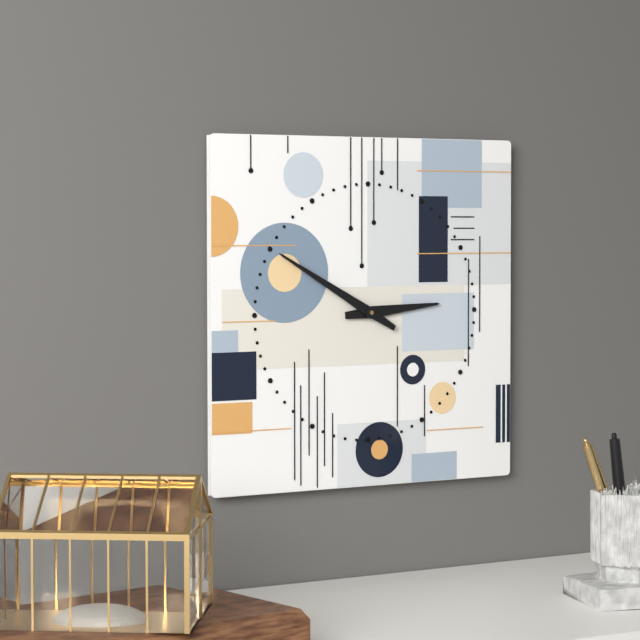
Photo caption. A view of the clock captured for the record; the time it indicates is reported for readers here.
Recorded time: 2:50
